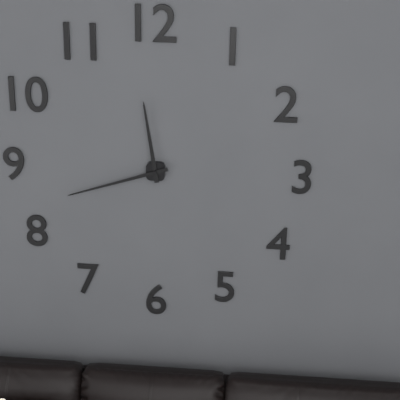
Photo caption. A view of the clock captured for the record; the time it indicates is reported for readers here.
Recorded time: 11:42
